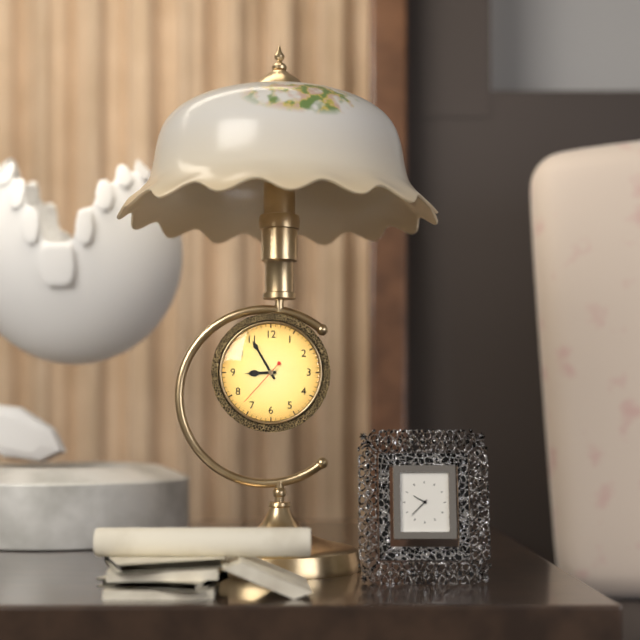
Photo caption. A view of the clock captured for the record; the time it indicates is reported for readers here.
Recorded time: 8:55
